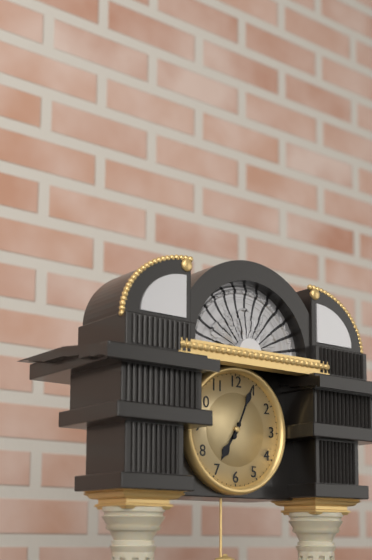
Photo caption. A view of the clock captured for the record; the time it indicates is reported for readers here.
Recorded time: 7:04
